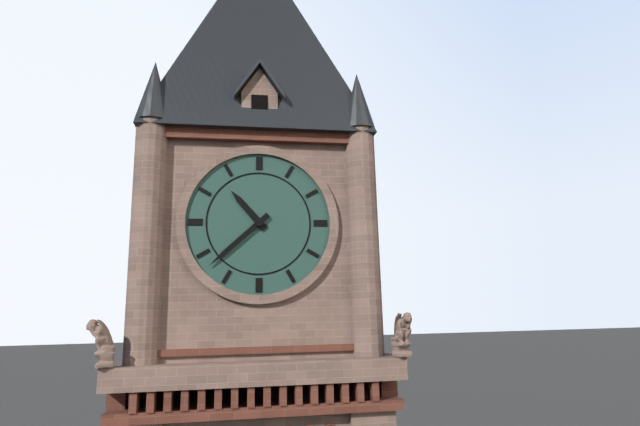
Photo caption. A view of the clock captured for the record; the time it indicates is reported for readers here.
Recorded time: 10:38
